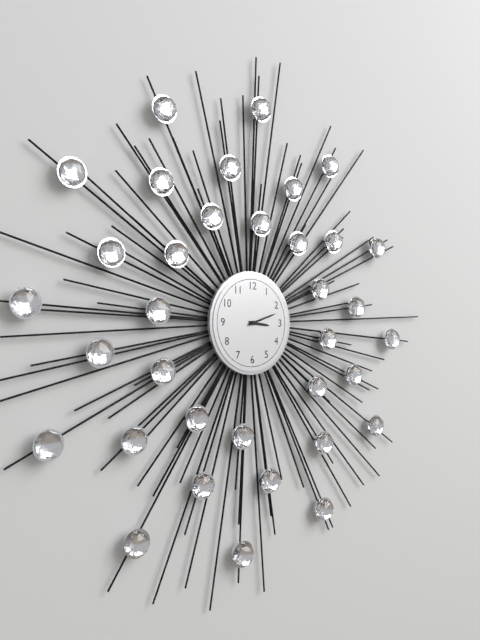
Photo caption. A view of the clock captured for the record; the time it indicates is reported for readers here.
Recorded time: 3:12
